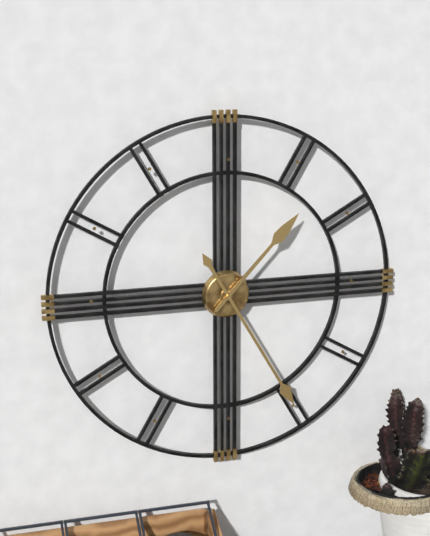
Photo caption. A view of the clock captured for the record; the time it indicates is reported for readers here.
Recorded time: 1:25
